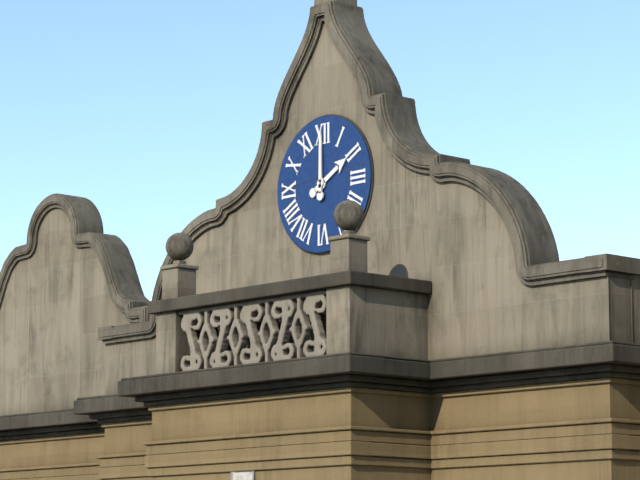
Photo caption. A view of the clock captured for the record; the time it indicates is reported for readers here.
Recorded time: 2:00
